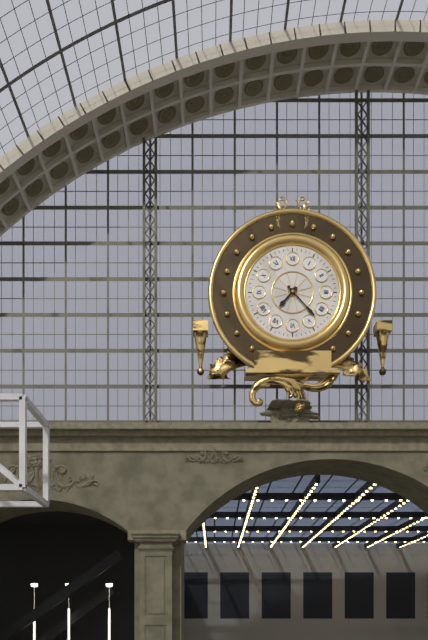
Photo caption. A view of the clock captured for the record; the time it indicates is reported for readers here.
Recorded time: 7:23
